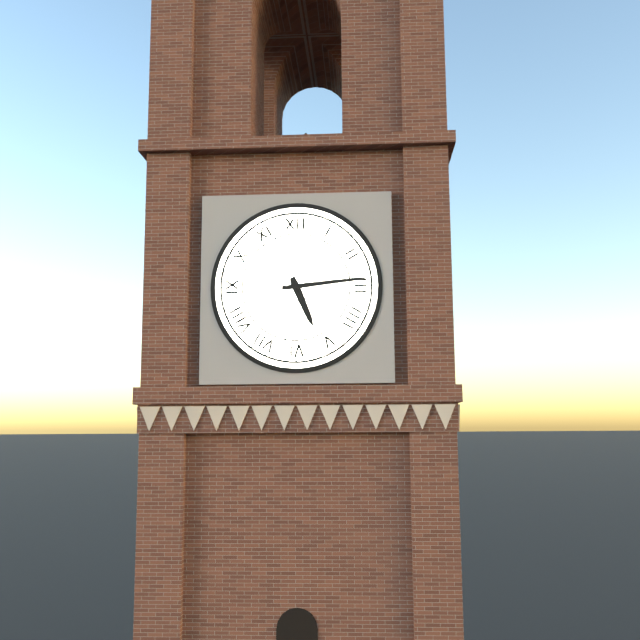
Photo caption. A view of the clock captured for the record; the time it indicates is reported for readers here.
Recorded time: 5:14
